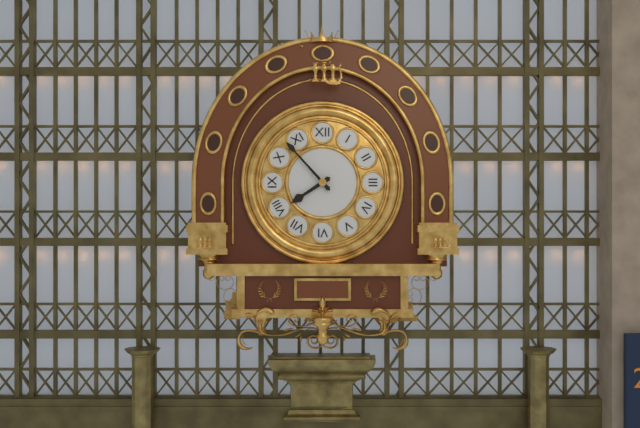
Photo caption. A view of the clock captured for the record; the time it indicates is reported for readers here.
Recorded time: 7:53
